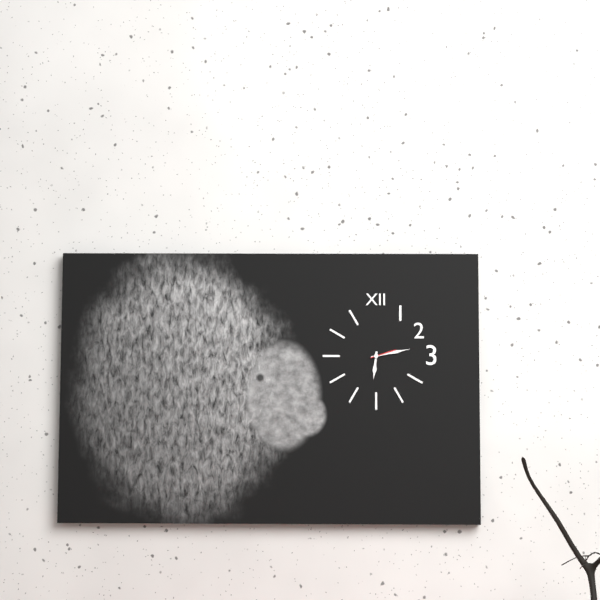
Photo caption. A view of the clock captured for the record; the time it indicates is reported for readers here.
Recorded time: 6:13
